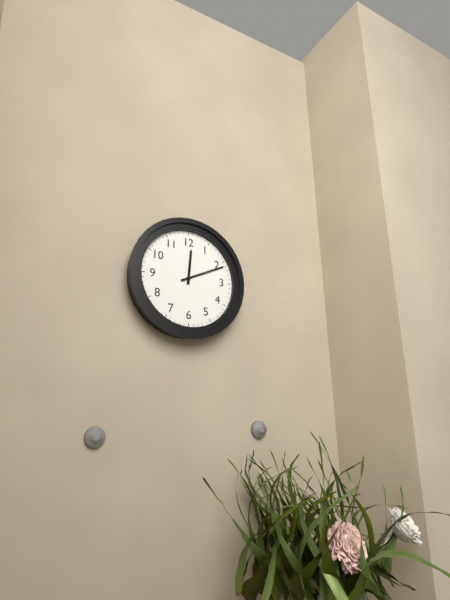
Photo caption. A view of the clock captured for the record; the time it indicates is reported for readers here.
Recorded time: 12:11
